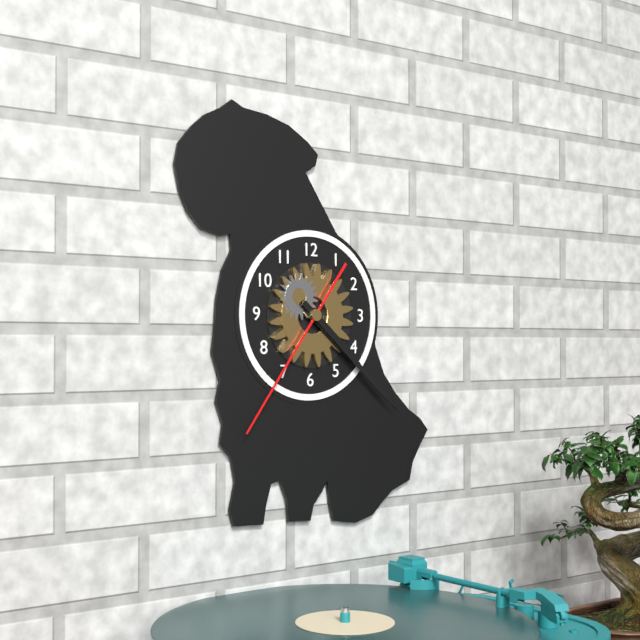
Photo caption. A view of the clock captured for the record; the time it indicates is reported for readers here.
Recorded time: 4:22:36
